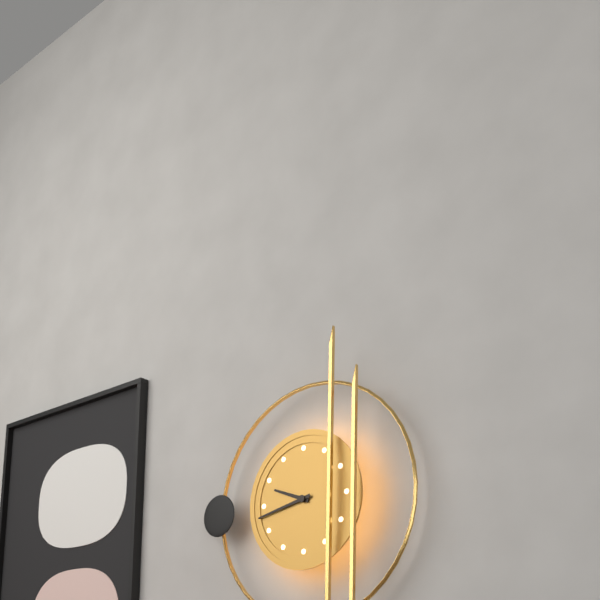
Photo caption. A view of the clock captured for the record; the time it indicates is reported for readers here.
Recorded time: 9:43
